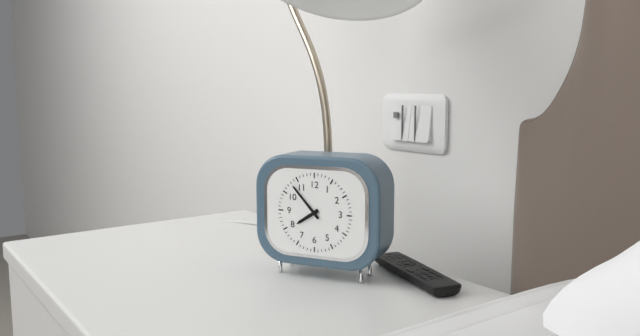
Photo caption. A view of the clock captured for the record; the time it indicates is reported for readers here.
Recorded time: 7:53
